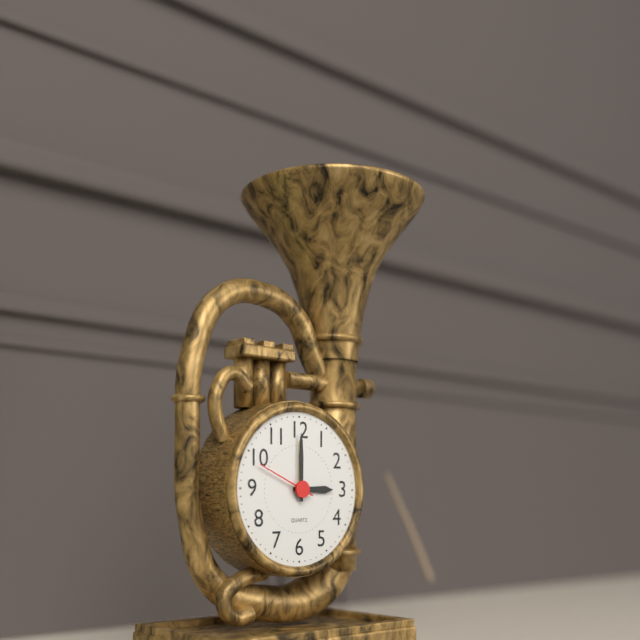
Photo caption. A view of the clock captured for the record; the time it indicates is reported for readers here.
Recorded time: 3:00:49
